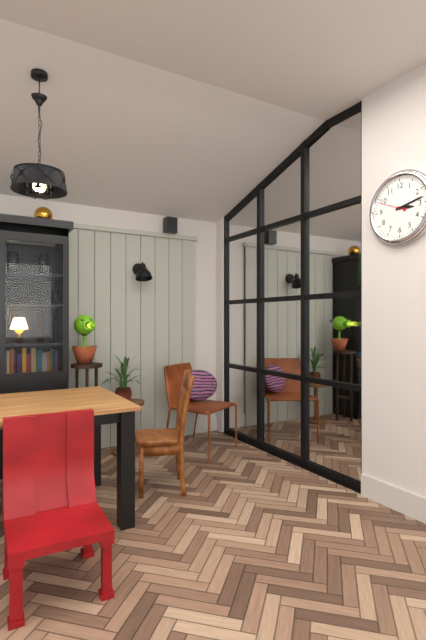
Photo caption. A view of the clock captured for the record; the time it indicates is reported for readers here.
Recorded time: 3:13
